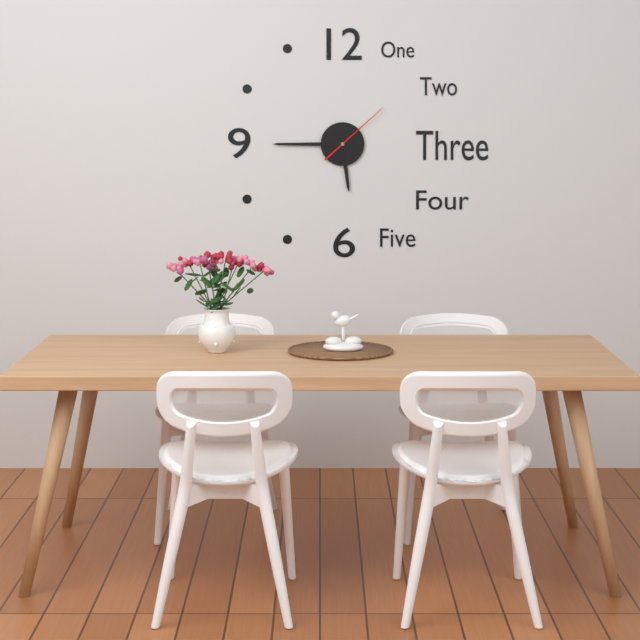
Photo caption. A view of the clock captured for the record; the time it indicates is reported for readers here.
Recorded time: 5:45:08
